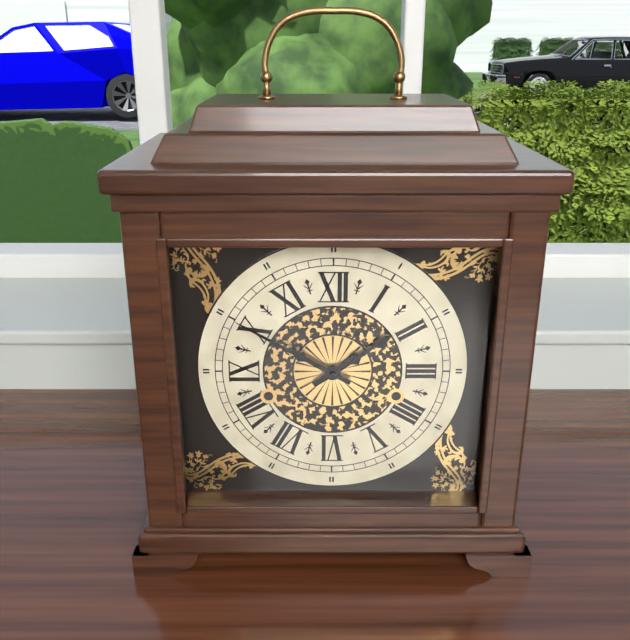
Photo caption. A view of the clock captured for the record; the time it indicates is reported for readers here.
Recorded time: 1:50
